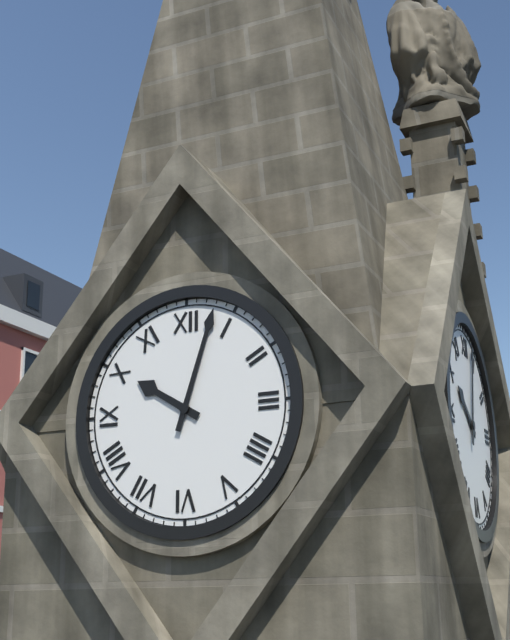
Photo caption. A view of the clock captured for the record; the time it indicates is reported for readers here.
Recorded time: 10:03
